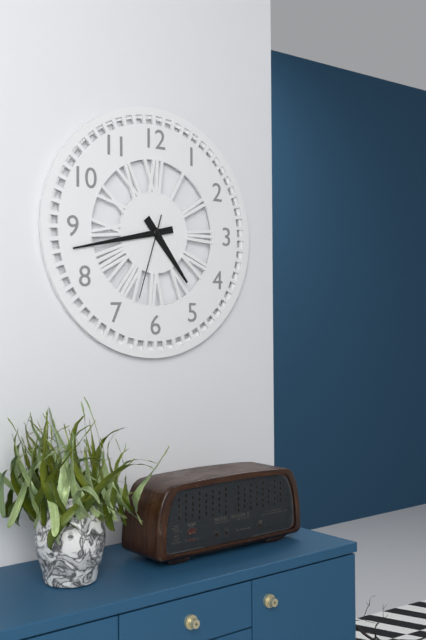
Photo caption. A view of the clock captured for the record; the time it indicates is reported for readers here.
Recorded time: 4:43:33
